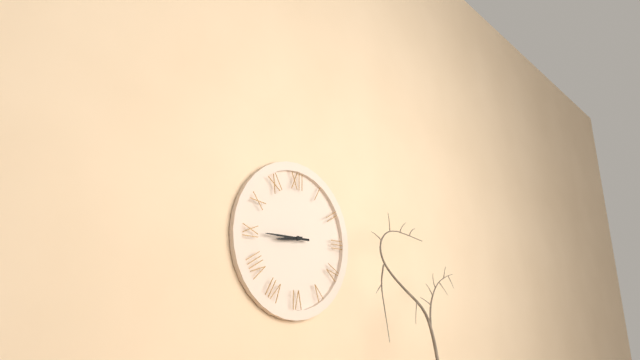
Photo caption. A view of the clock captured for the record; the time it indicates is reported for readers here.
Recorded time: 8:45
